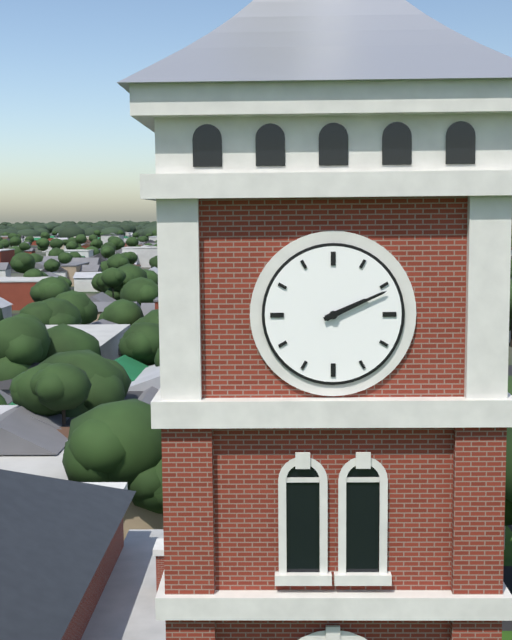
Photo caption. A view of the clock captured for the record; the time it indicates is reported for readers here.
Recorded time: 2:11
